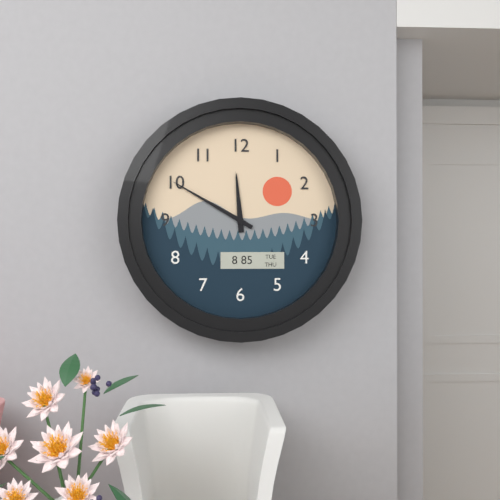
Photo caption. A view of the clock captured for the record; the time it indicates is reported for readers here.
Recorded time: 11:50
